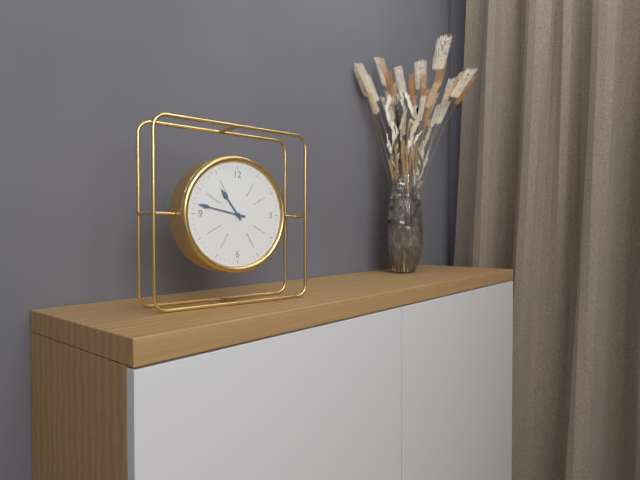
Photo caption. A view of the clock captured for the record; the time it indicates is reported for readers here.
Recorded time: 10:47
